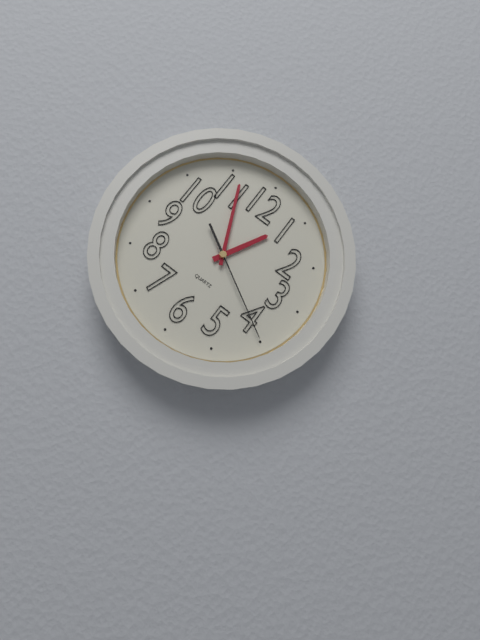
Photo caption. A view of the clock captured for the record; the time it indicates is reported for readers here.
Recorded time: 12:56:20
